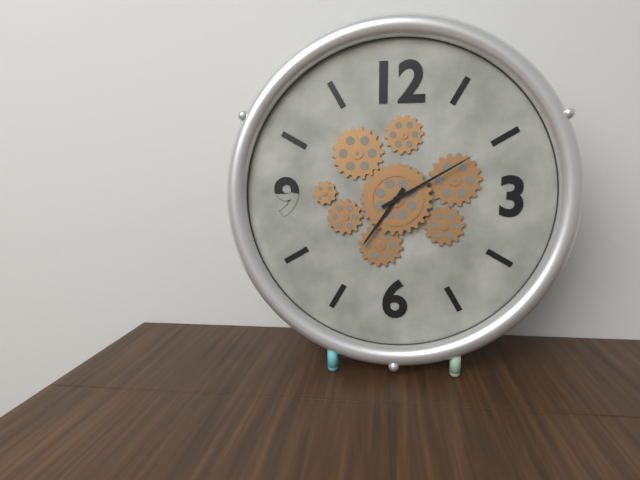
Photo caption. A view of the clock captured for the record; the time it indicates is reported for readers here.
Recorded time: 7:10
